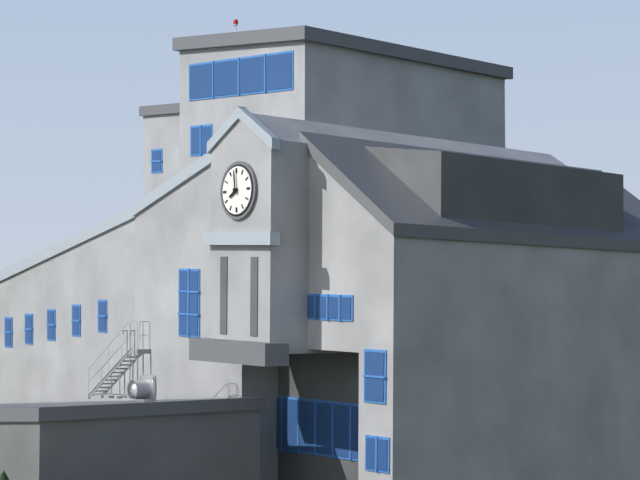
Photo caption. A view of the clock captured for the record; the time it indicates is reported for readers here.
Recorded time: 7:59
